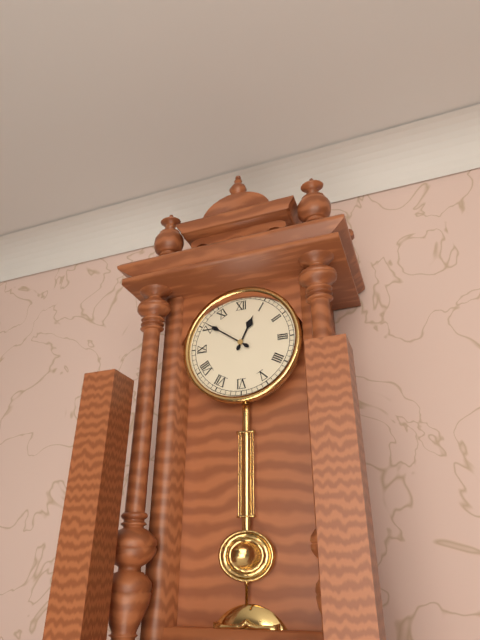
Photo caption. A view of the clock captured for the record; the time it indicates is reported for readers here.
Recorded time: 12:51
